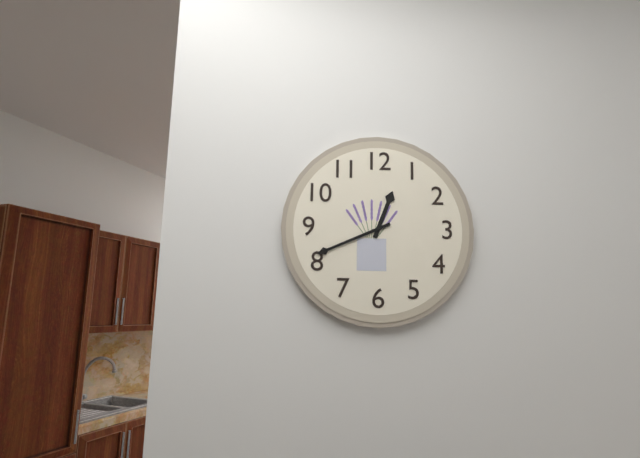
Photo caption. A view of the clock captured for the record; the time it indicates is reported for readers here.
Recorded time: 12:41
